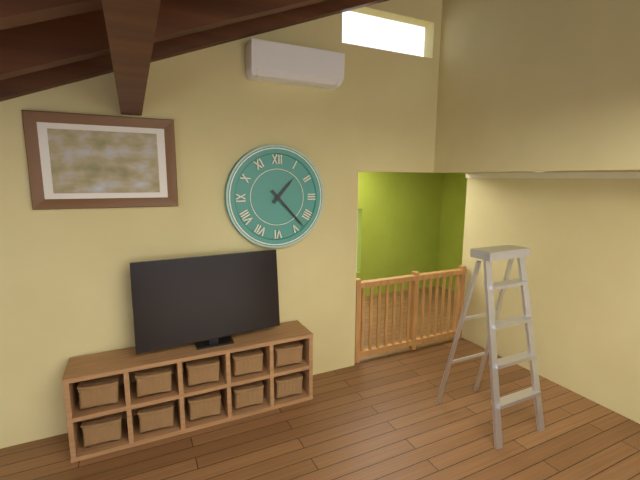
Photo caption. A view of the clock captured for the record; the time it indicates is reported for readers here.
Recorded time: 1:23
